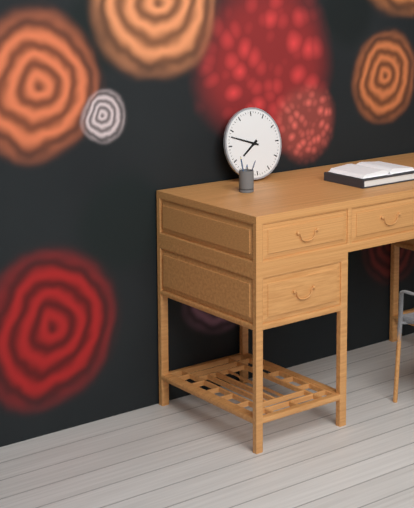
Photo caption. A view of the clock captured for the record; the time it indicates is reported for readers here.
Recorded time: 7:48
